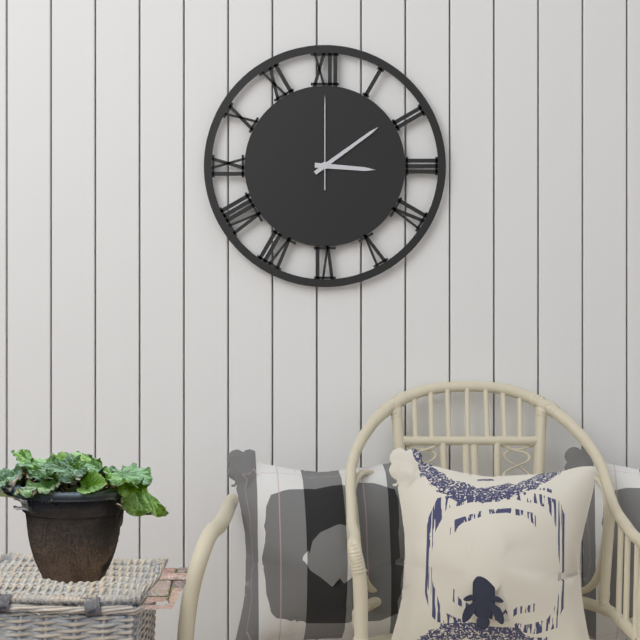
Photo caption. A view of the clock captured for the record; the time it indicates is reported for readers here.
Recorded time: 3:09:00
